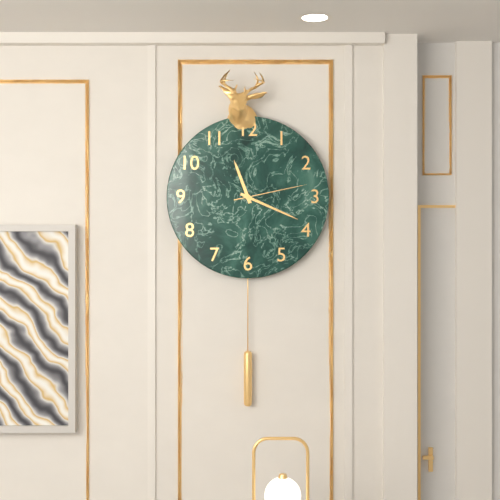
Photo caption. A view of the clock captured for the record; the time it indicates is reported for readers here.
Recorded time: 11:19:13
